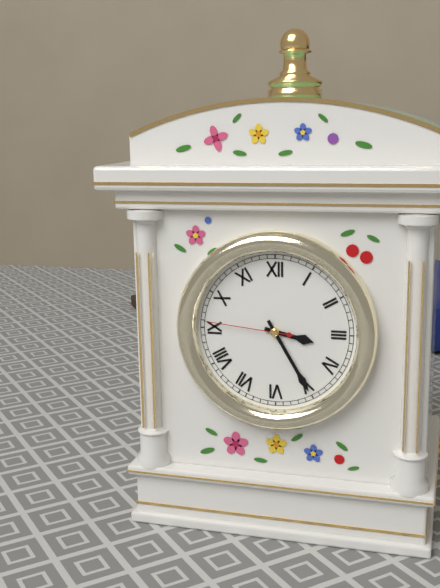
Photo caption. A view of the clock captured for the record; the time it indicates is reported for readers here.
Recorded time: 3:25:46
